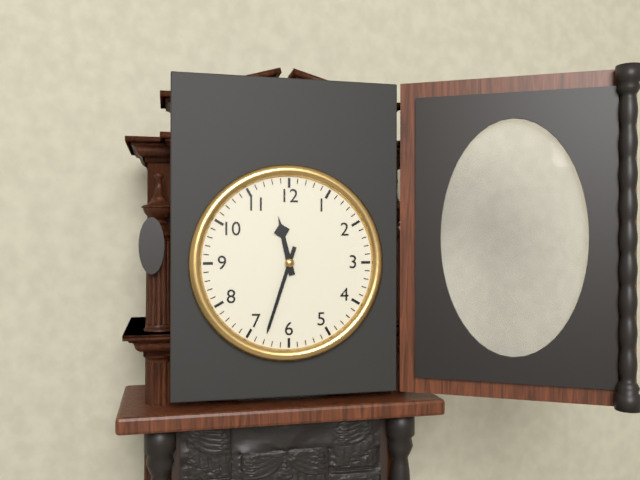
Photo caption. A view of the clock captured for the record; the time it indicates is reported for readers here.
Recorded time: 11:33
